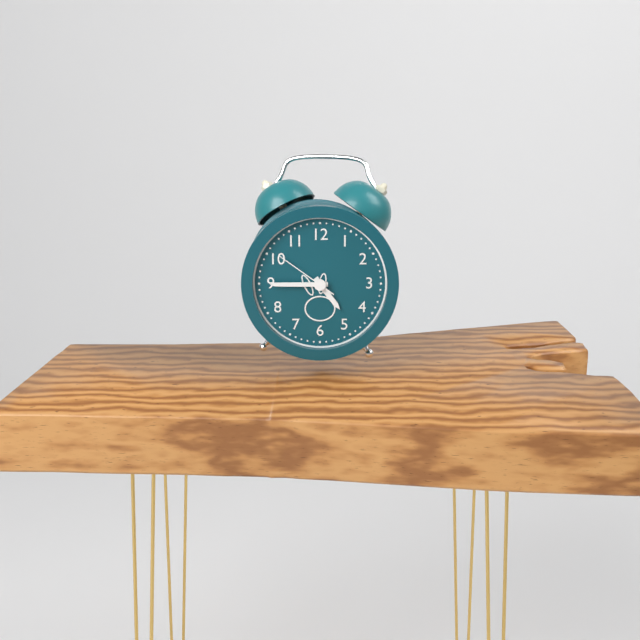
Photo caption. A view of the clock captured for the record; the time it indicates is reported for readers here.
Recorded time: 4:45:51
